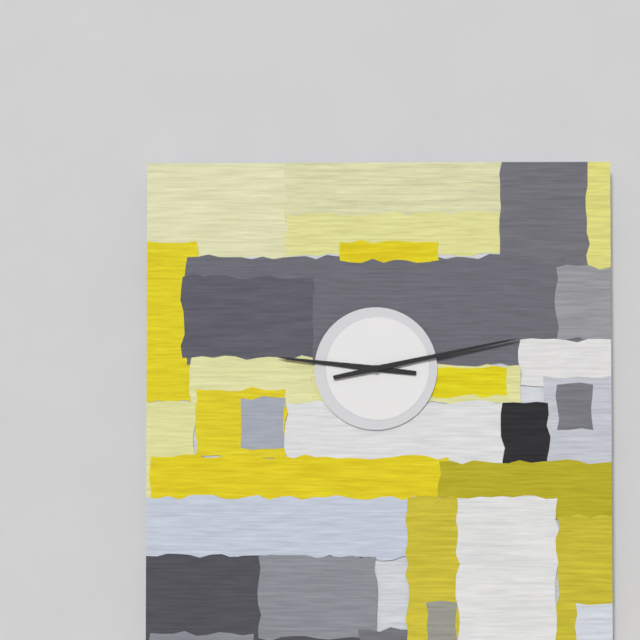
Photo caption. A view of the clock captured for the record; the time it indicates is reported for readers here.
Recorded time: 9:13
